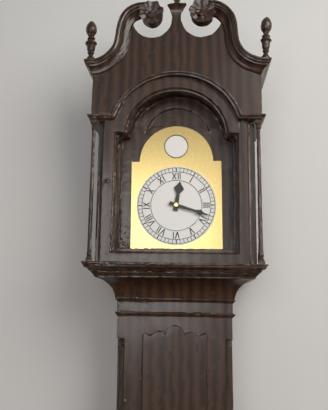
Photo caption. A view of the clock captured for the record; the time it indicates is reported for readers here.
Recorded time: 12:18
